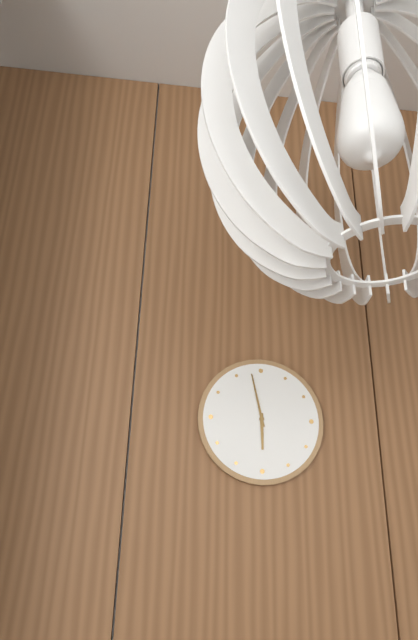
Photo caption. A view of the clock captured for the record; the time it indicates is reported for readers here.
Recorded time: 5:58
